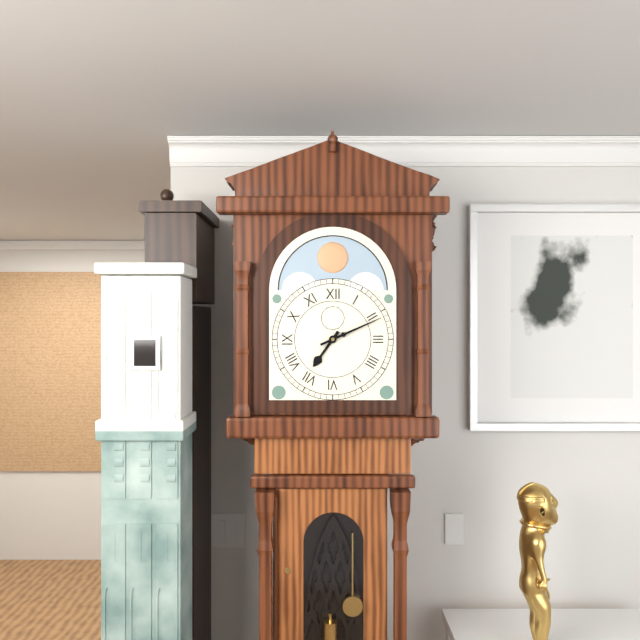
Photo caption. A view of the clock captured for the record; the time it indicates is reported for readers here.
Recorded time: 7:11
